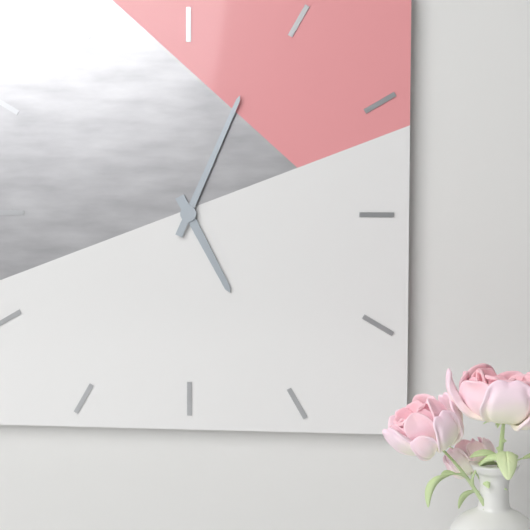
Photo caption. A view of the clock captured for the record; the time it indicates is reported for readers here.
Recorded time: 5:04
